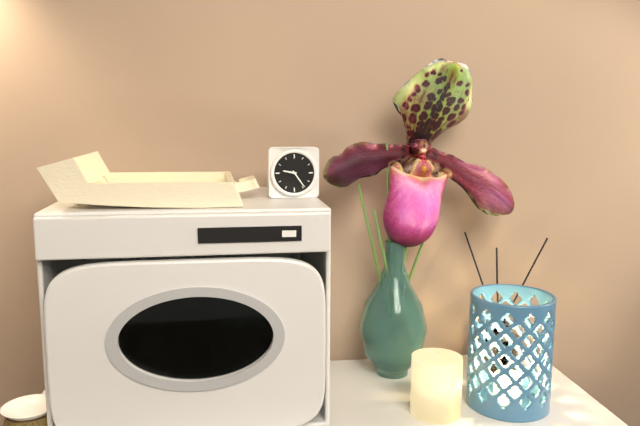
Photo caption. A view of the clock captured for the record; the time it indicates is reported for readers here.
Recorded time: 9:24
